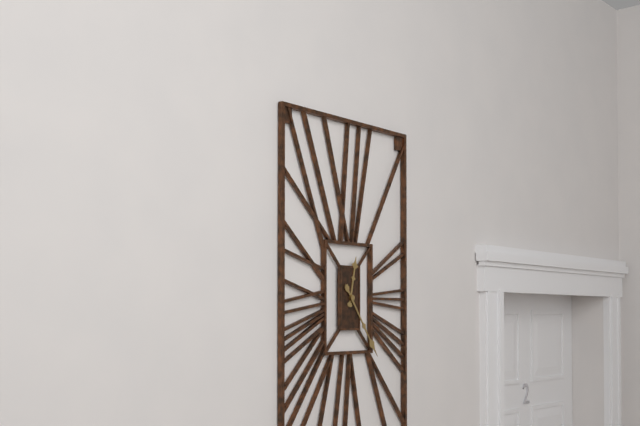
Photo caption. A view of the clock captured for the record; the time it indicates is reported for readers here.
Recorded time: 12:24
